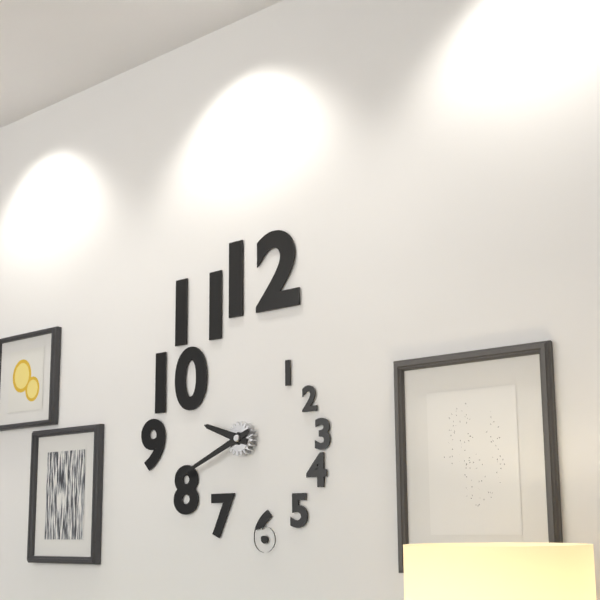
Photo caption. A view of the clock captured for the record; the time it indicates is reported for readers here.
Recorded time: 9:41
